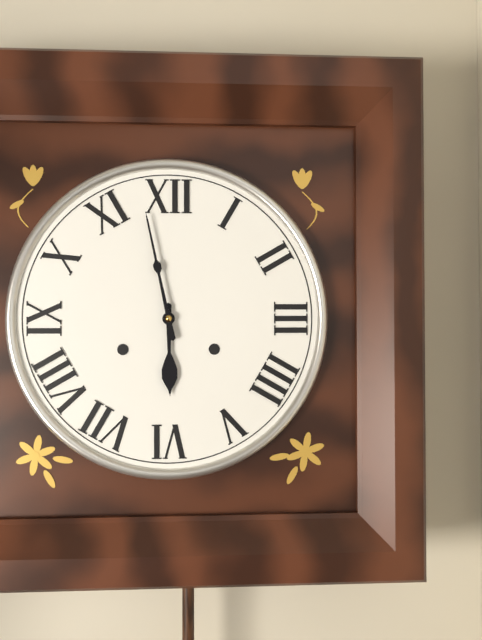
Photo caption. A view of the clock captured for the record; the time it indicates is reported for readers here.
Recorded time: 5:58
